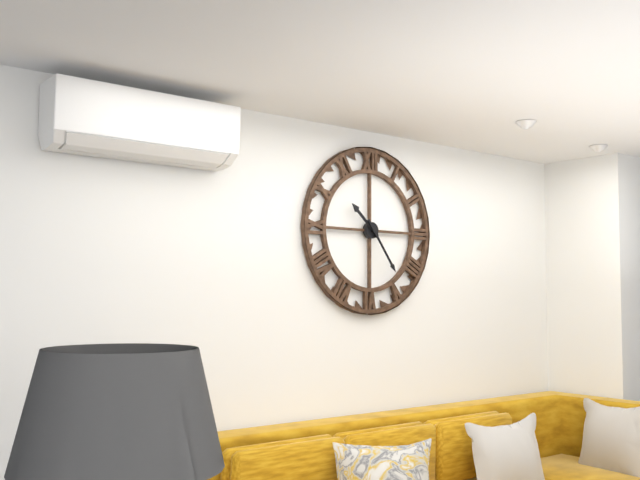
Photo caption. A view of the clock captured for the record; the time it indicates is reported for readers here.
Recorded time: 10:24
